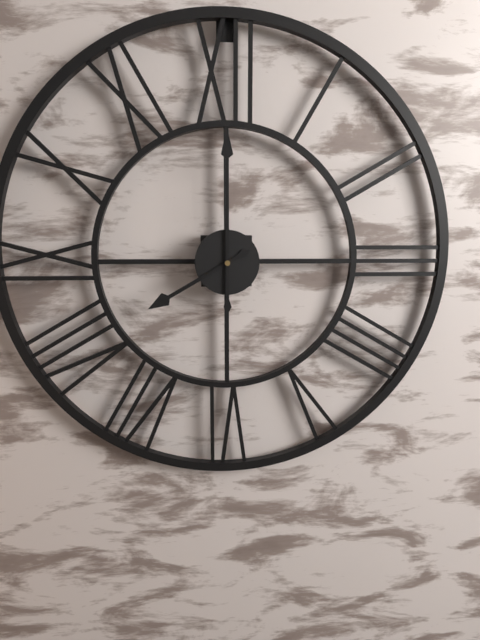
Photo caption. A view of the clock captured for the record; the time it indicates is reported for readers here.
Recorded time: 8:00
